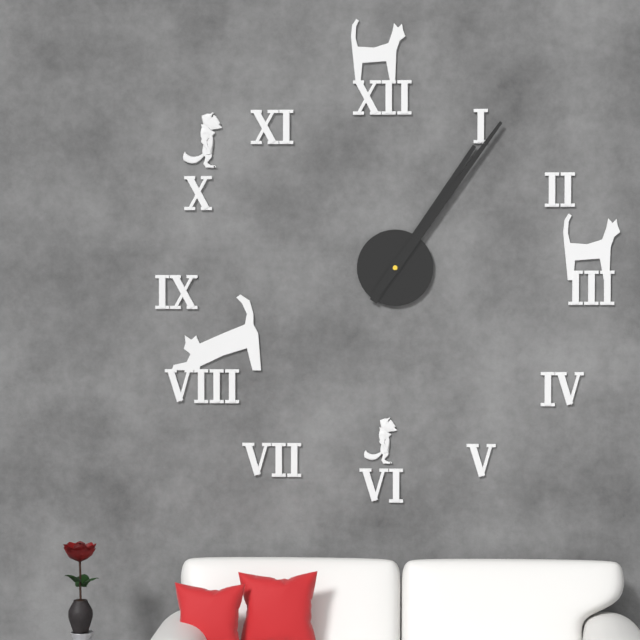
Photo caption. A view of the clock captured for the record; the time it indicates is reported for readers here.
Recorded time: 1:06
